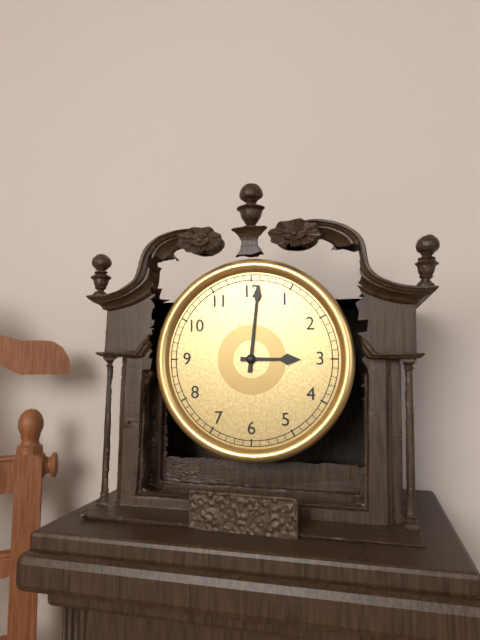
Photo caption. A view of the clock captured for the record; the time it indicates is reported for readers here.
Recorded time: 3:01
